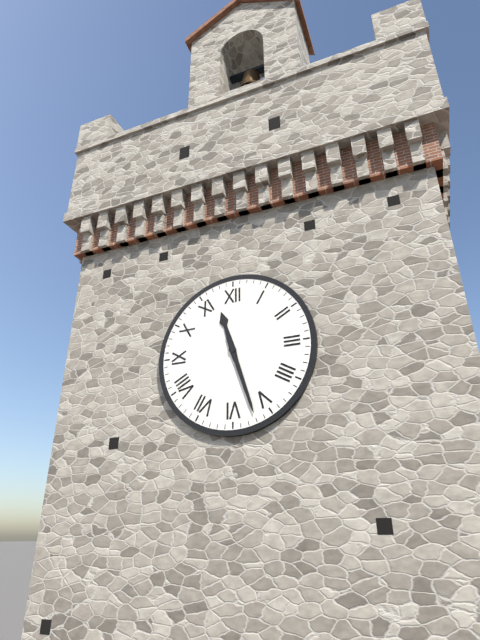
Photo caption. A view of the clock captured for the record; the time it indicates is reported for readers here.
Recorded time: 11:27
